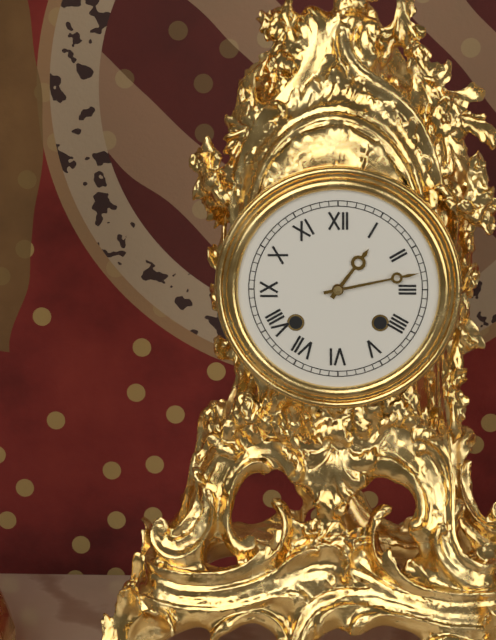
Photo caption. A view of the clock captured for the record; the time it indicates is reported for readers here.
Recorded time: 1:13
